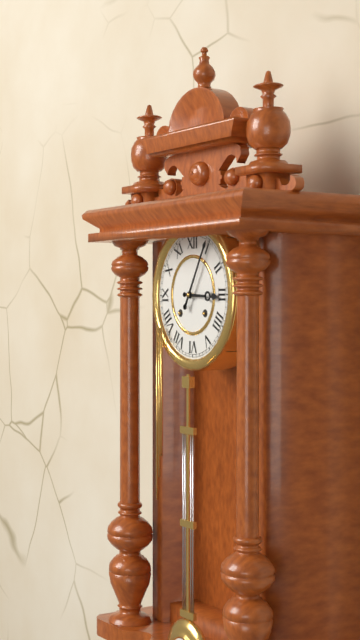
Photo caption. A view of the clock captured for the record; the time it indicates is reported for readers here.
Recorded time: 3:05
